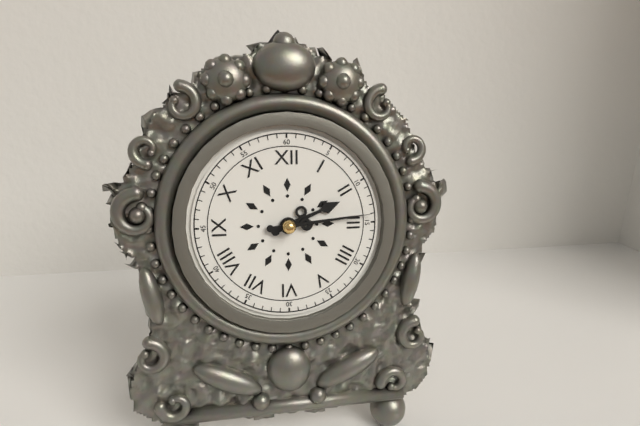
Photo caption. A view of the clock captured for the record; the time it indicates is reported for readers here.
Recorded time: 2:14
